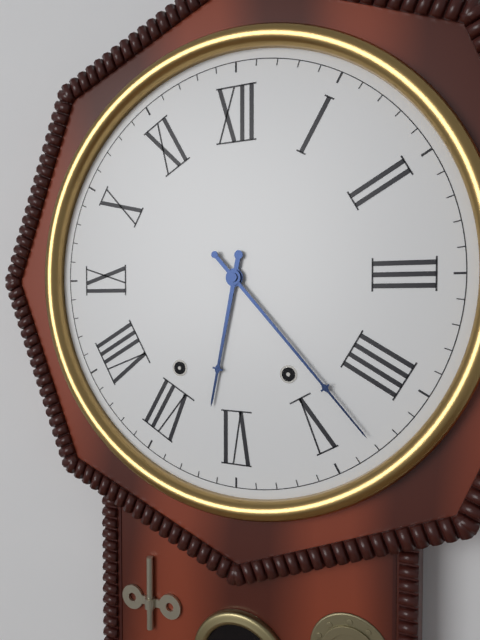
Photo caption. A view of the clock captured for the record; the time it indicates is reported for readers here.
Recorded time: 6:23
